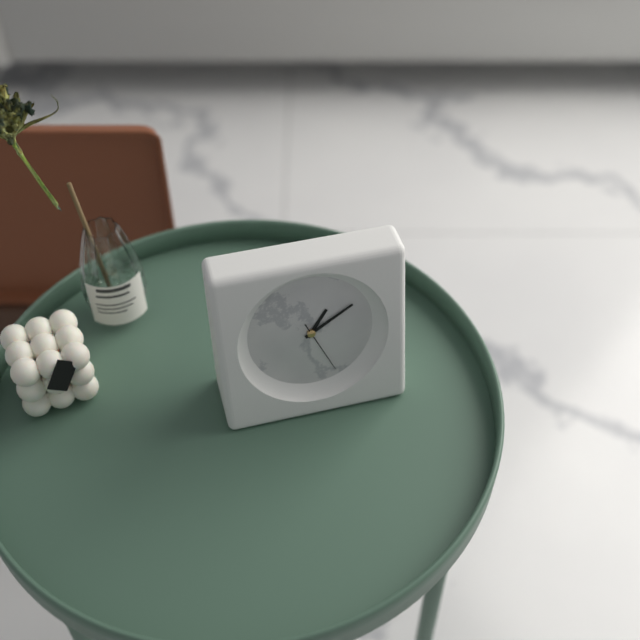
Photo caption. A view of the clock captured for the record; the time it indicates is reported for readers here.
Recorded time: 1:10:26
